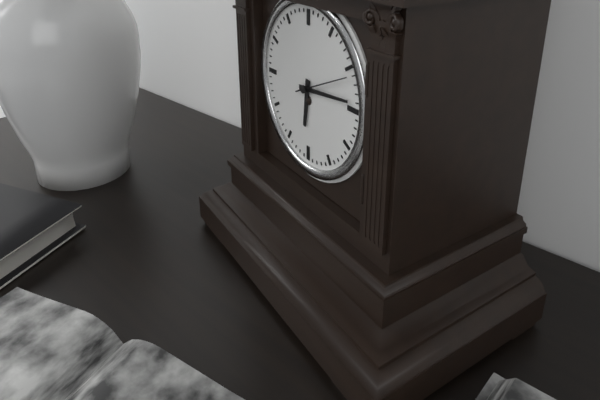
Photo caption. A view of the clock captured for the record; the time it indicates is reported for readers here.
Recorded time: 6:14:11
